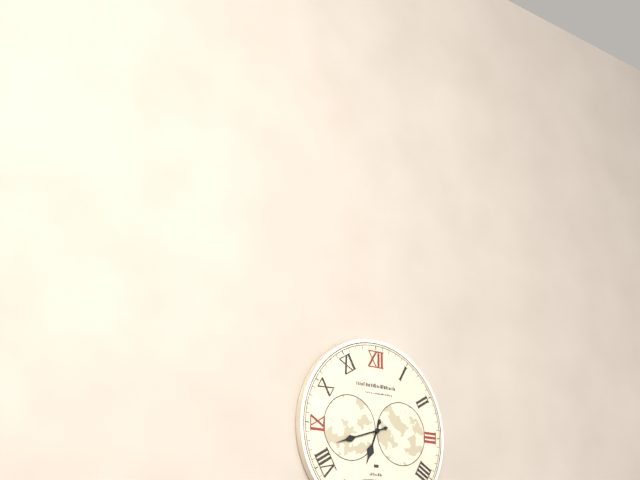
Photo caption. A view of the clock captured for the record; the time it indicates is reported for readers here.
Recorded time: 6:42
